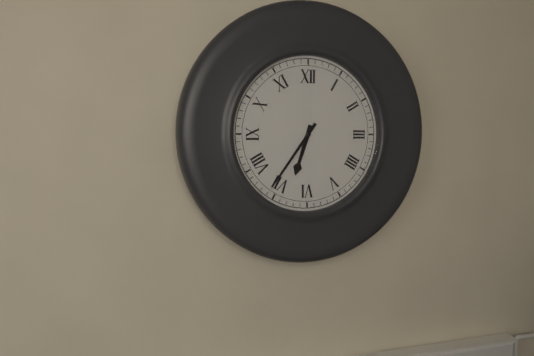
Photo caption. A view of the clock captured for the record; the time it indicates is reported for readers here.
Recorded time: 6:36
